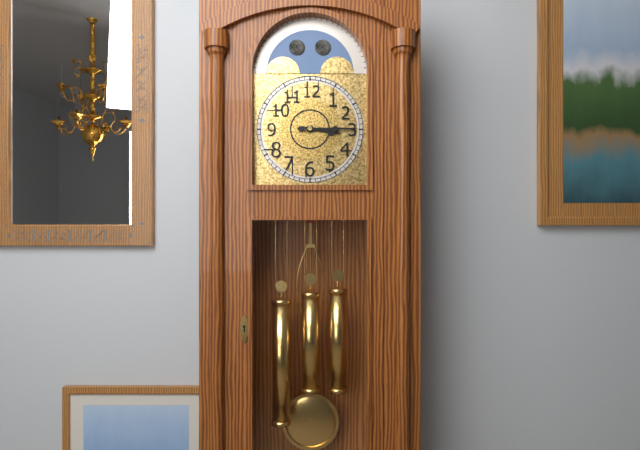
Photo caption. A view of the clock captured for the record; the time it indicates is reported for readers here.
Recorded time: 3:15
